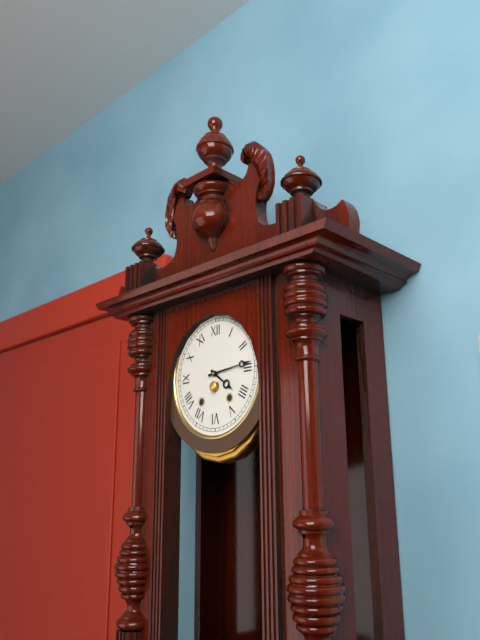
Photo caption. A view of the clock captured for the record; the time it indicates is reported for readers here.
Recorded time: 4:14
